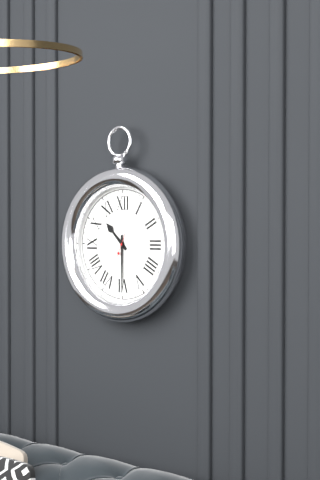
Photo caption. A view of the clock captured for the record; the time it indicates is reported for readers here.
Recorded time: 10:30:04
